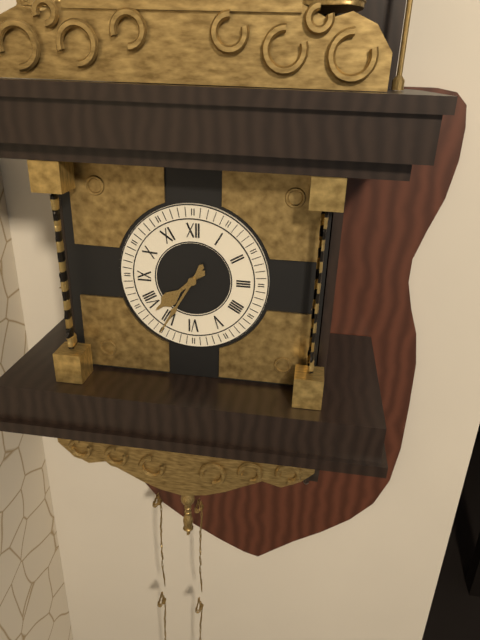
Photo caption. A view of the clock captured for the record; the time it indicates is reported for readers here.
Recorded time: 7:35
